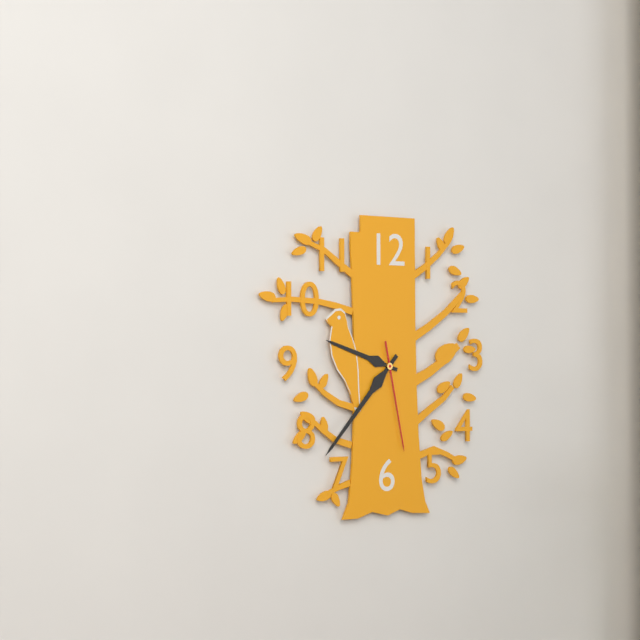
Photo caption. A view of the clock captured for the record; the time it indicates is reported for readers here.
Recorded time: 9:37:28
